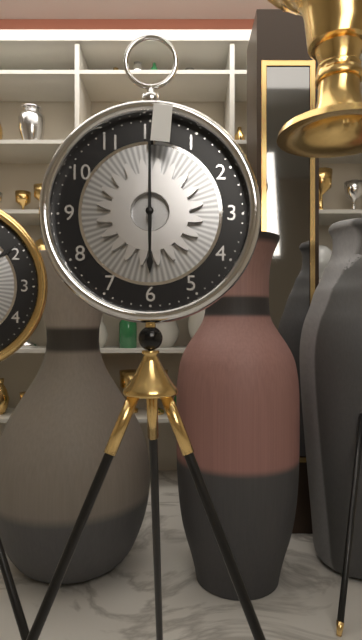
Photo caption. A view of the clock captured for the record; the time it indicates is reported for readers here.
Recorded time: 6:00
